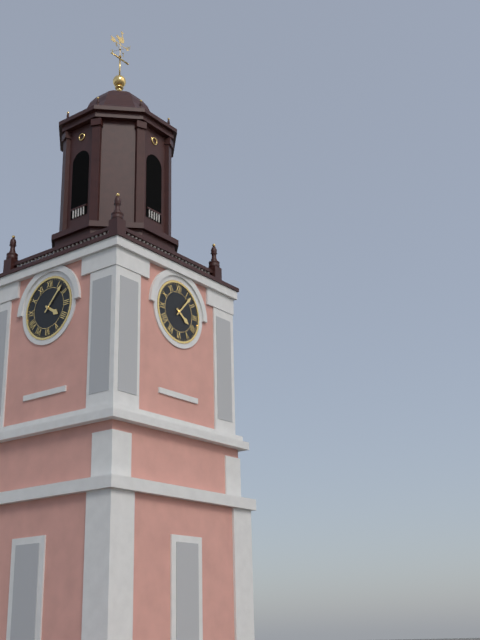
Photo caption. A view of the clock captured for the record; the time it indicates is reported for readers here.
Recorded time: 4:07
